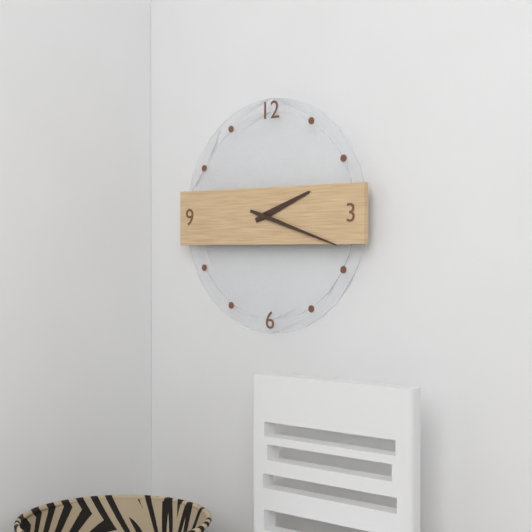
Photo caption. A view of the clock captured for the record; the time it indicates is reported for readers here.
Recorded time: 2:18
